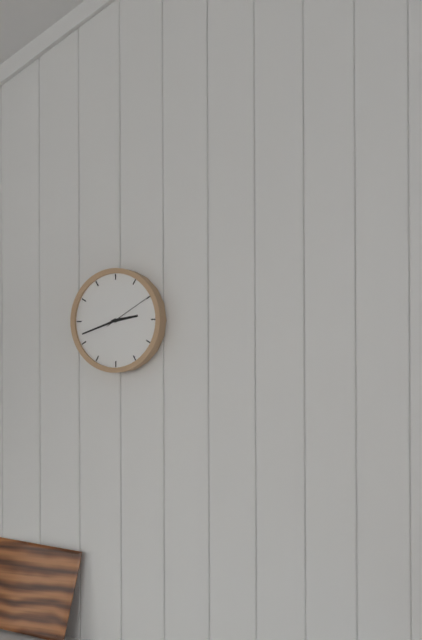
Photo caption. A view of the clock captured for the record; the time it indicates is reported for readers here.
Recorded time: 2:42
